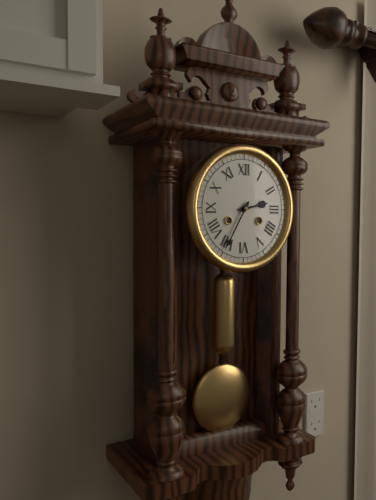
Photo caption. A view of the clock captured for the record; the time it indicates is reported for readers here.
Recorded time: 2:35
